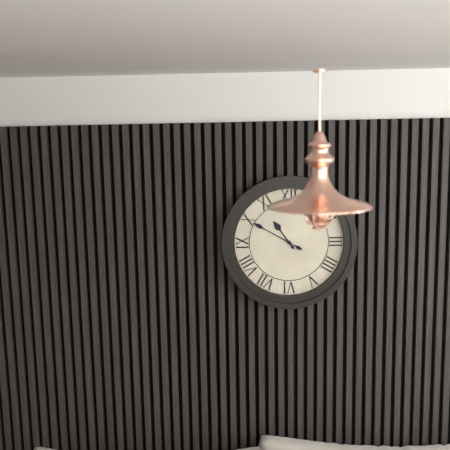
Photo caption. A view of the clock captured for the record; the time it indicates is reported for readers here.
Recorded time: 10:50
